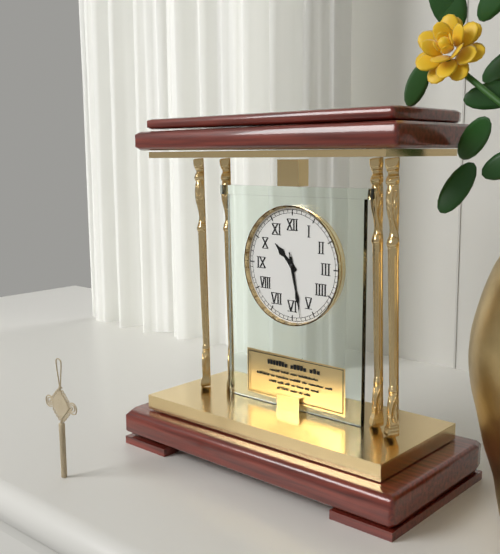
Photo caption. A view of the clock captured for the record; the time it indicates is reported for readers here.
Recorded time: 10:28:28
